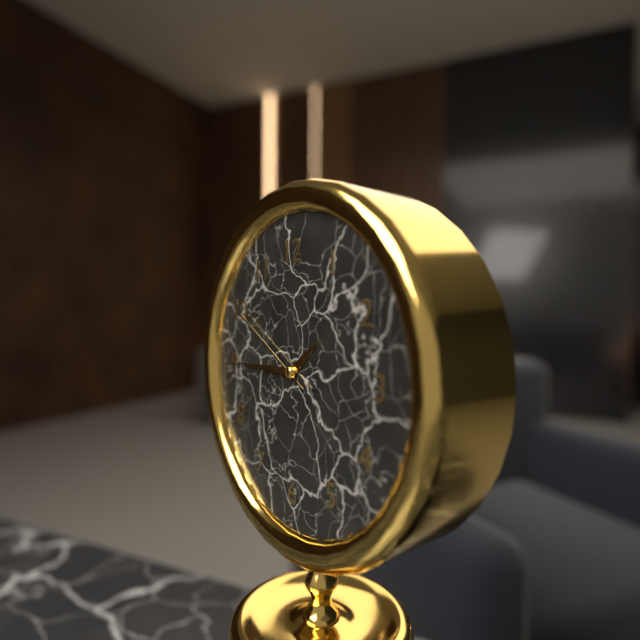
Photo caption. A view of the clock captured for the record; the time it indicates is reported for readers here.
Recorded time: 1:45:50
